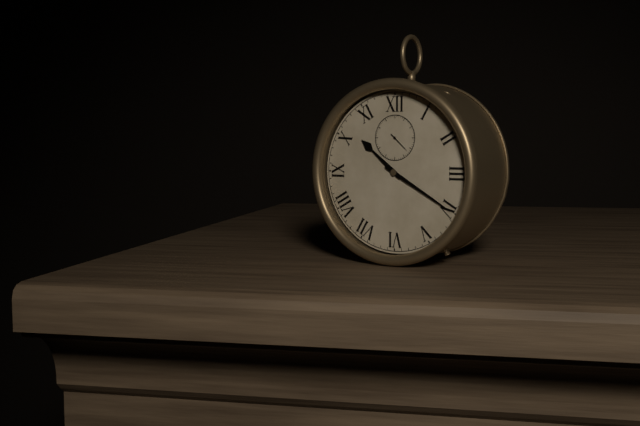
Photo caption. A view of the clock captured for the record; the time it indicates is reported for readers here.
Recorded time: 10:20
